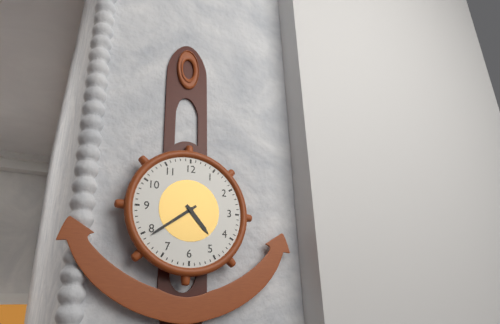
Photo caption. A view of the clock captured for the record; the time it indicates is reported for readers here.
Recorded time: 4:39
